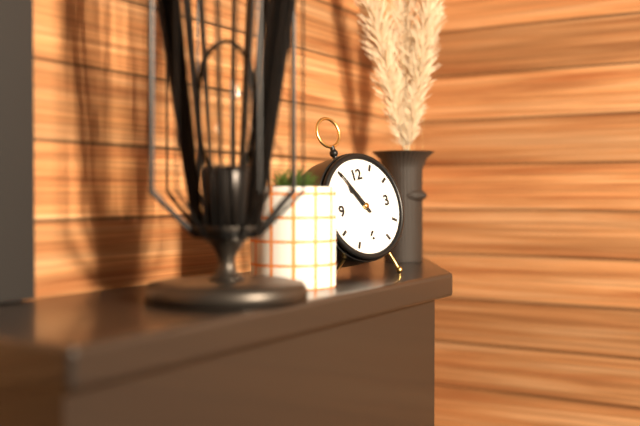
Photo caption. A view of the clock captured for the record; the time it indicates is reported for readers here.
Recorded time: 10:55
